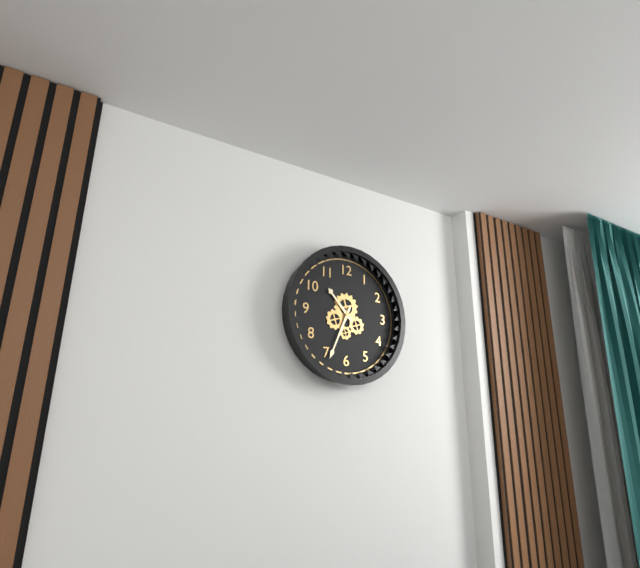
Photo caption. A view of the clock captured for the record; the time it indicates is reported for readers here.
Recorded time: 10:34
